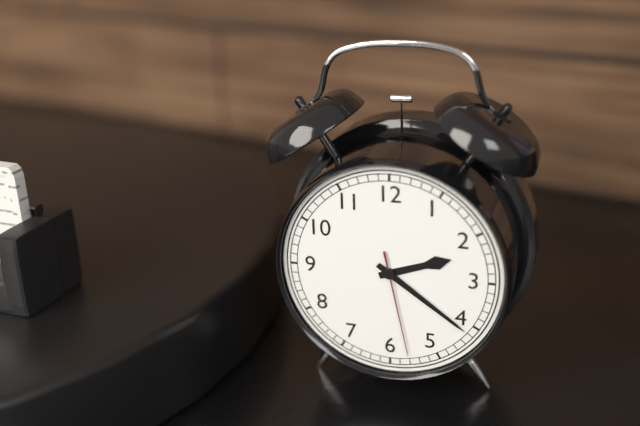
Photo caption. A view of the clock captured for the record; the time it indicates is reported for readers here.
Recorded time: 2:21:28
